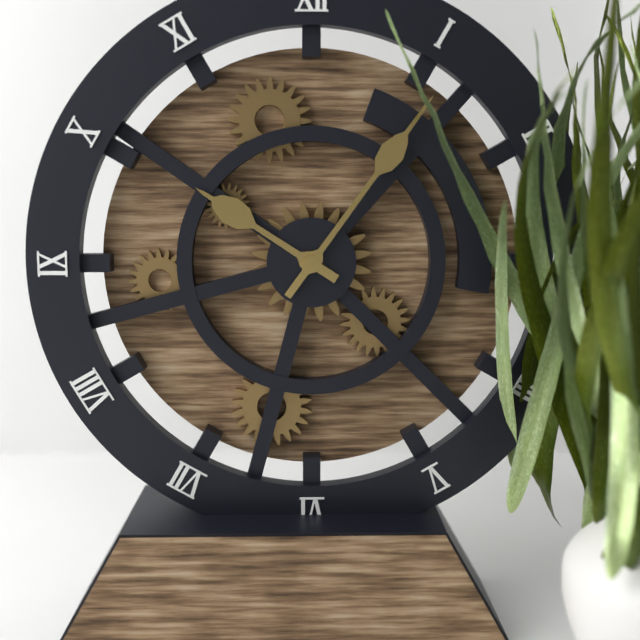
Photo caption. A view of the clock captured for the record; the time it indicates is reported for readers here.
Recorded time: 10:06
